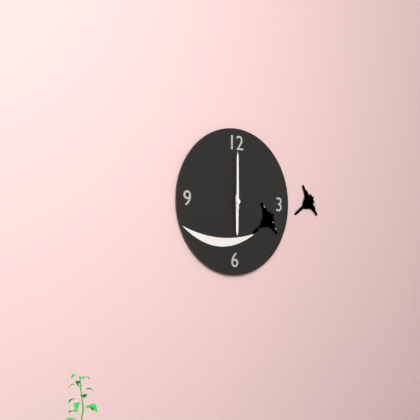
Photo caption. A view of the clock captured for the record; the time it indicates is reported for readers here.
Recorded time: 6:00
